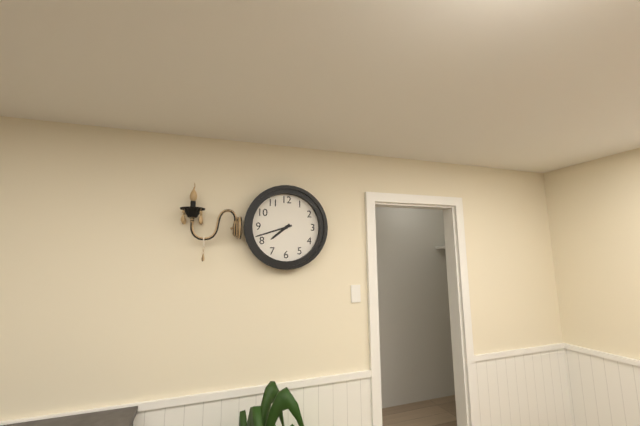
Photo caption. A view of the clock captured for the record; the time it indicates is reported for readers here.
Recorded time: 7:42
